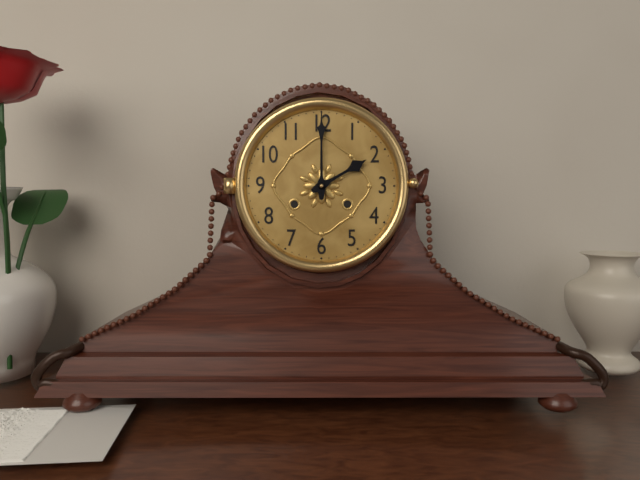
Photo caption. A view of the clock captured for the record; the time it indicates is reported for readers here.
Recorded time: 2:00
